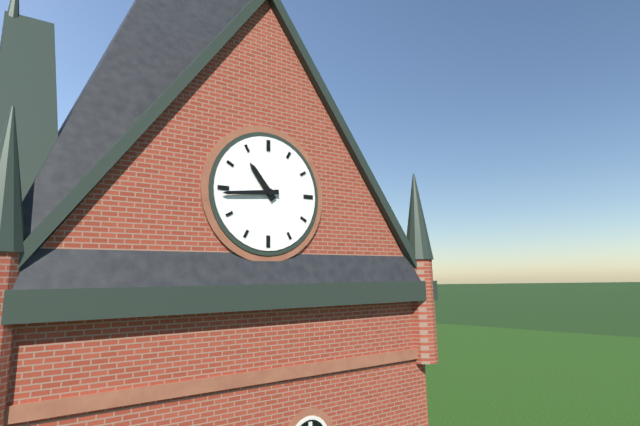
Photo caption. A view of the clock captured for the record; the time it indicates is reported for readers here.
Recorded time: 10:44
